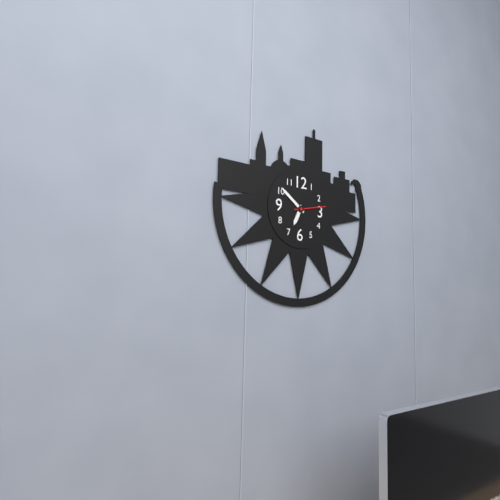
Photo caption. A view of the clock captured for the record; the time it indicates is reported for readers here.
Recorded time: 6:51
